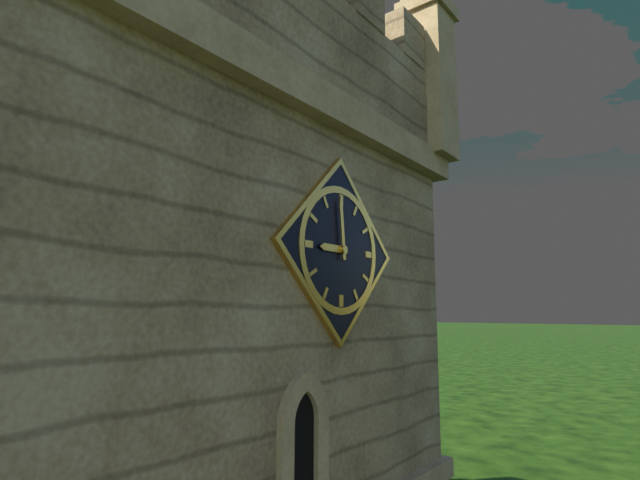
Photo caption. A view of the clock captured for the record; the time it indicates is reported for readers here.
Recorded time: 8:59
